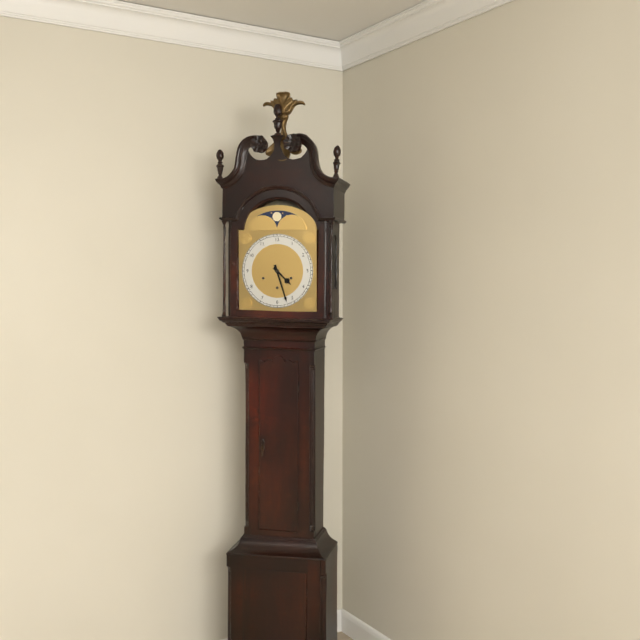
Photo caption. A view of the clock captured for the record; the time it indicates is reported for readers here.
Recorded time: 4:27
